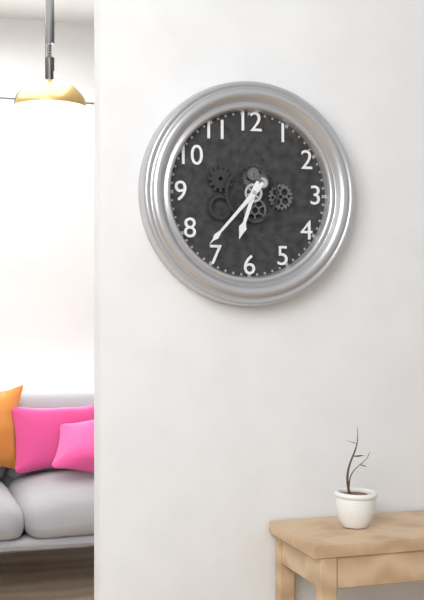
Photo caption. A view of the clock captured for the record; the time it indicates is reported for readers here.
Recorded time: 6:37
